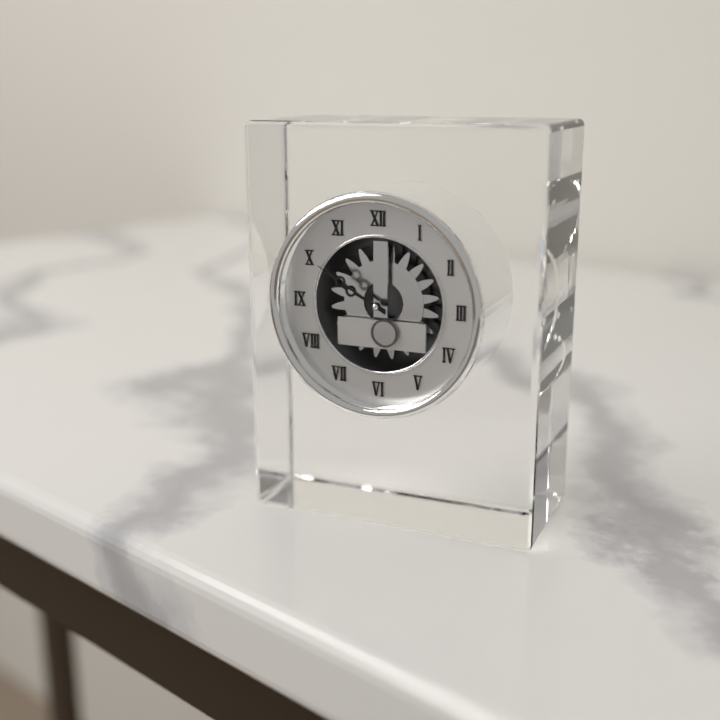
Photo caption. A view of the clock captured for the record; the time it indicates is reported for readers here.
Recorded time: 9:50
